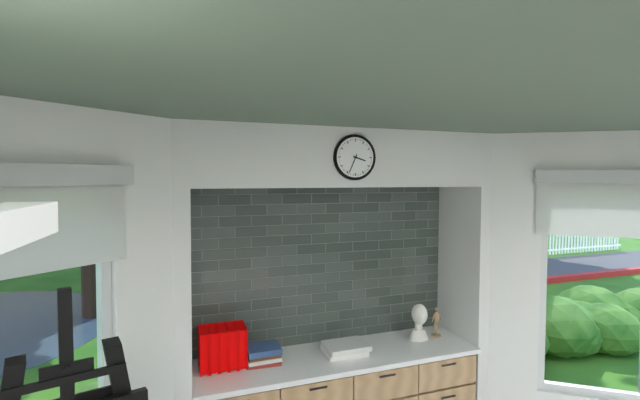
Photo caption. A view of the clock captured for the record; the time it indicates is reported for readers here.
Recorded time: 3:34
